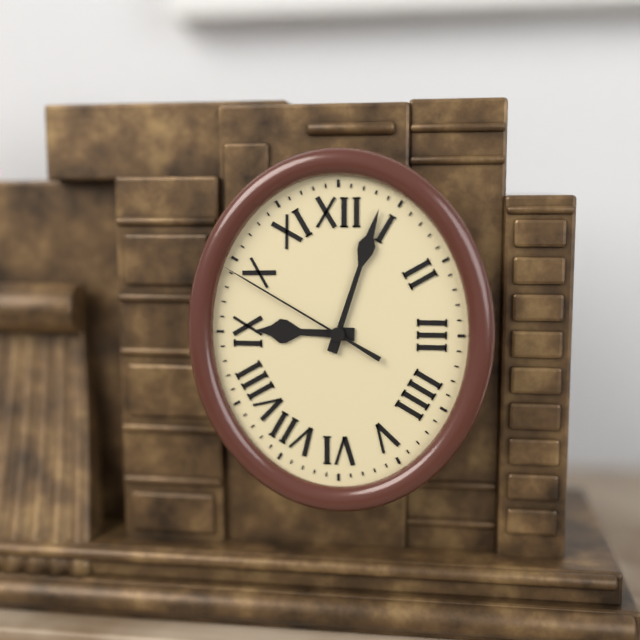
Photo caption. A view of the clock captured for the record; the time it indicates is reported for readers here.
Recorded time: 9:03:50
